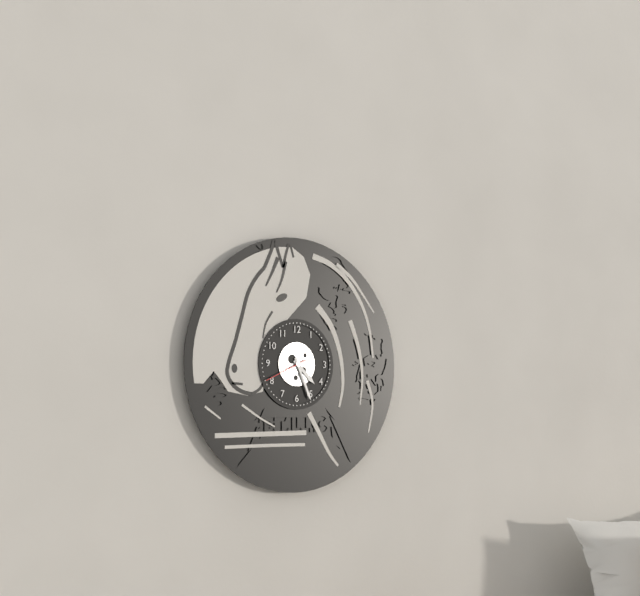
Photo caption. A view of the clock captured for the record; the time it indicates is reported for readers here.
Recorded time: 4:26
